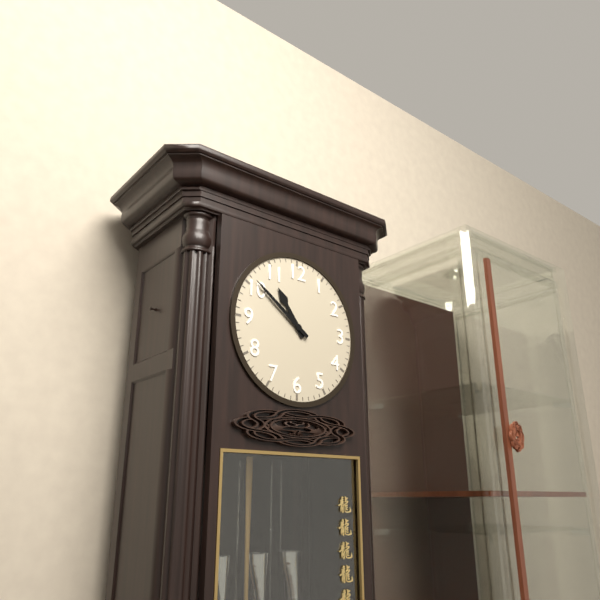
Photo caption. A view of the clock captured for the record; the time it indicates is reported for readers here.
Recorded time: 10:51
